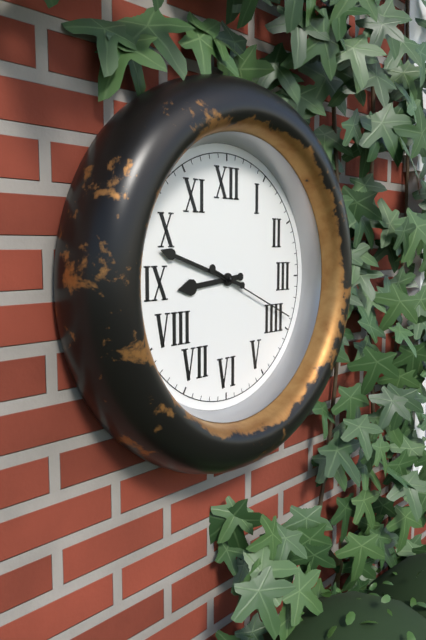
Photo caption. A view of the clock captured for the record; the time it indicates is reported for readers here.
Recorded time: 8:48:19
